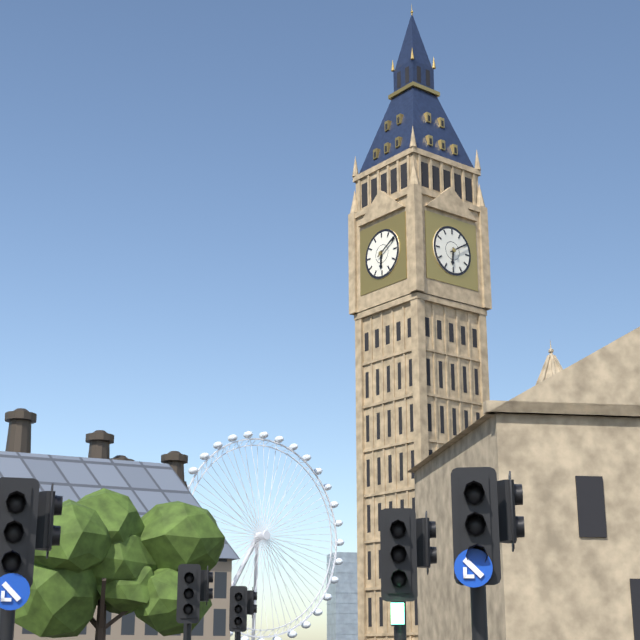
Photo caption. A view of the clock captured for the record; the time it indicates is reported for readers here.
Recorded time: 6:10
